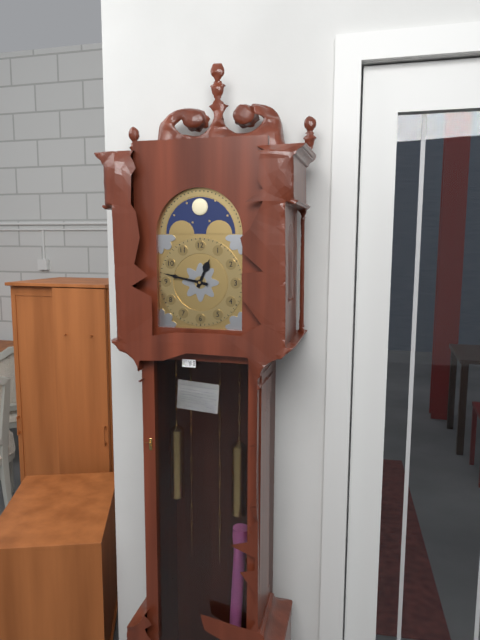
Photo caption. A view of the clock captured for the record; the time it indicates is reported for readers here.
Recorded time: 12:47
